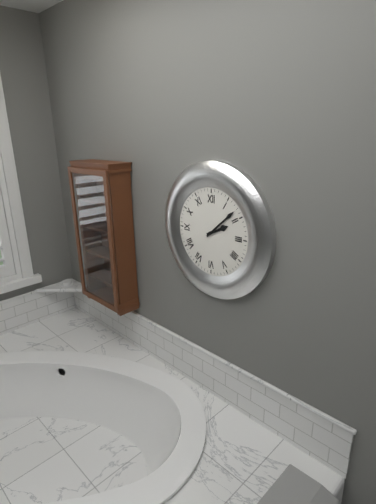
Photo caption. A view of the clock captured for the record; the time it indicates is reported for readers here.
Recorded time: 2:08
